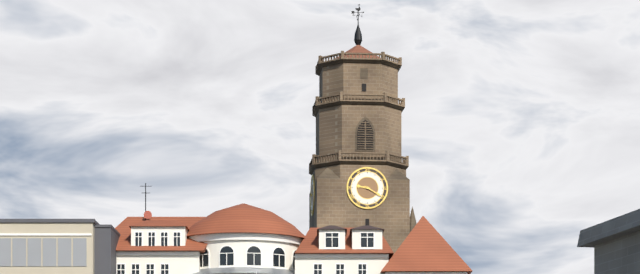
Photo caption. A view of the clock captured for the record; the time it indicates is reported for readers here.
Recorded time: 9:20
